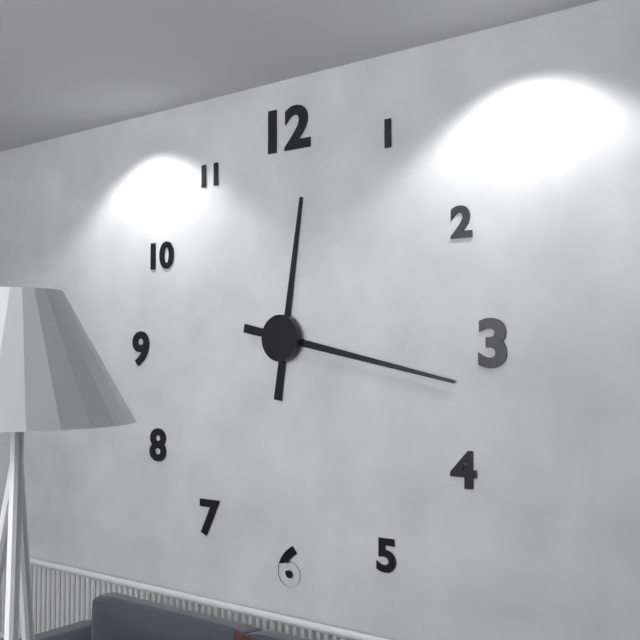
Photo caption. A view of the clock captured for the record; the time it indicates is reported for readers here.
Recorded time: 12:17
